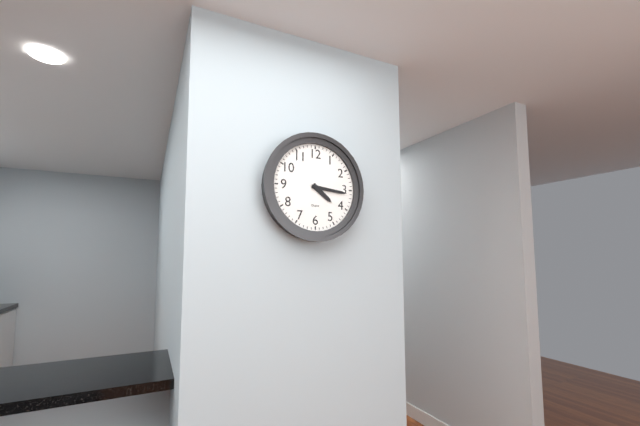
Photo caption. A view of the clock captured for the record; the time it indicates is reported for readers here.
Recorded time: 4:16
